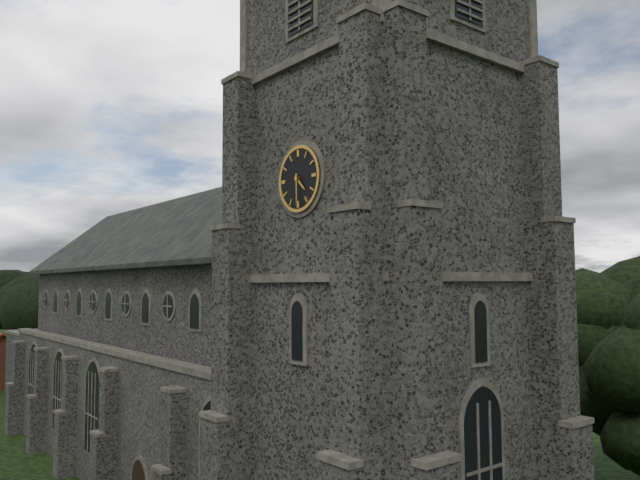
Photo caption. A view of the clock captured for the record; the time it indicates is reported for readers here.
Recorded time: 4:30
